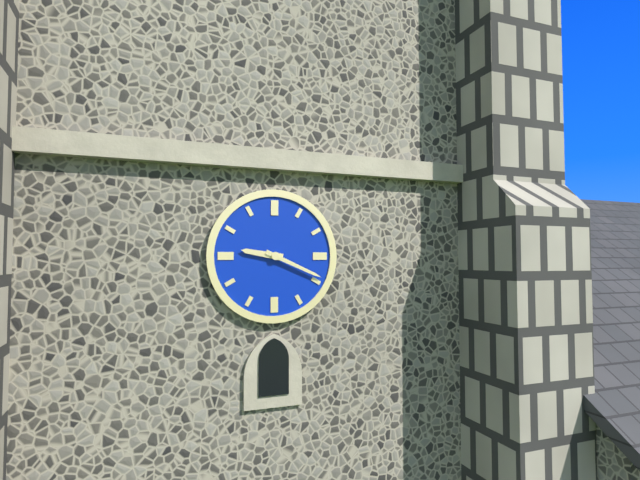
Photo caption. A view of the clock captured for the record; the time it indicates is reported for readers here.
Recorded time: 9:19
